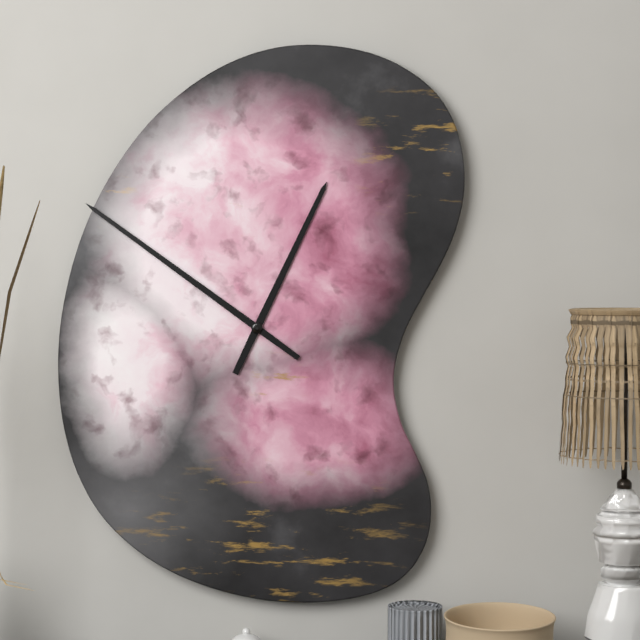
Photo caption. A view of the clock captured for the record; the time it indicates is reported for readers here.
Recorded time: 12:51
